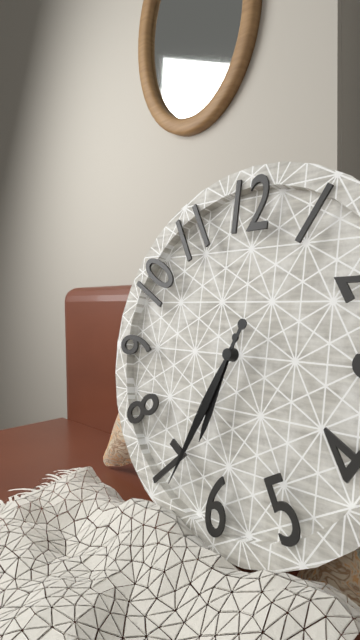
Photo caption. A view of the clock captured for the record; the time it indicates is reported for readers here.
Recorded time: 6:34
